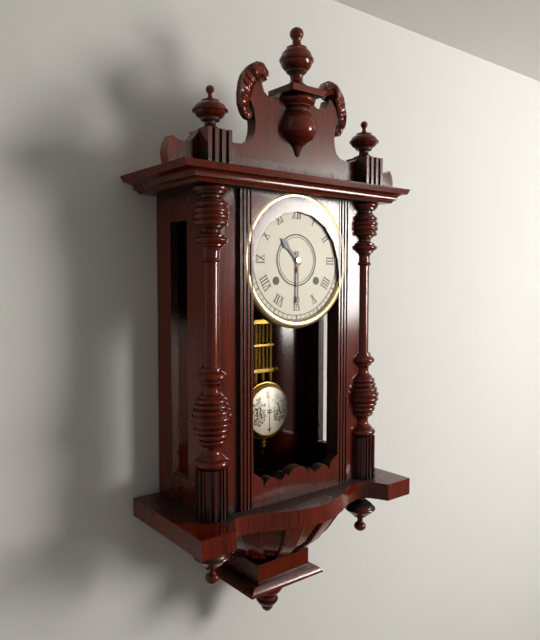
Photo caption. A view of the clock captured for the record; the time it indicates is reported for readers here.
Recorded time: 10:30
